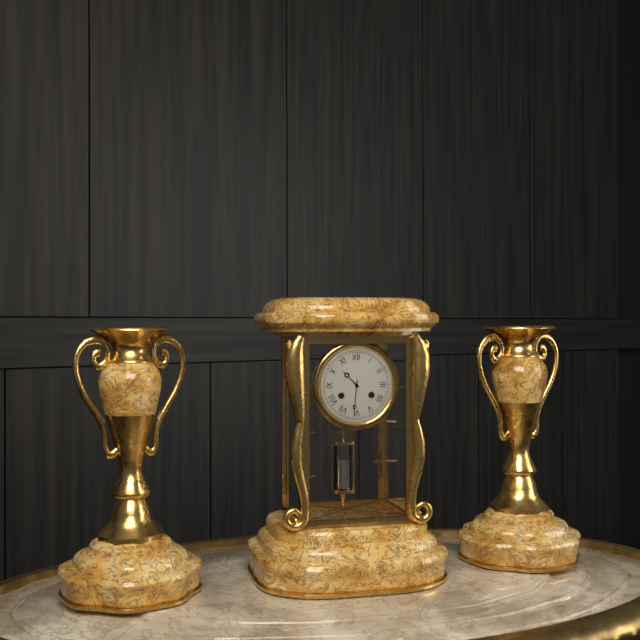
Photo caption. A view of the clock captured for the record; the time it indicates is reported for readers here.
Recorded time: 10:31
